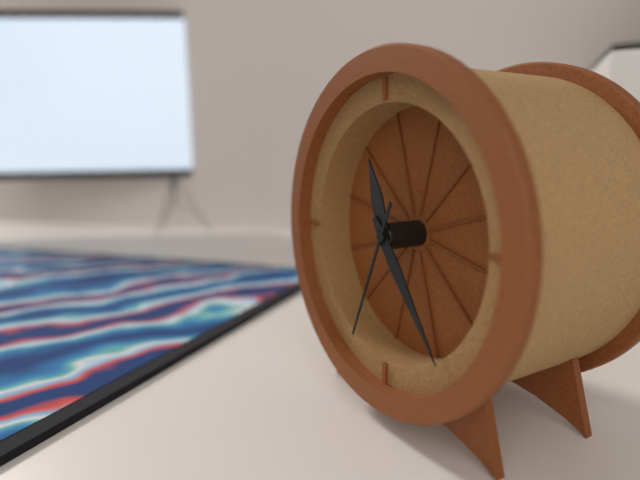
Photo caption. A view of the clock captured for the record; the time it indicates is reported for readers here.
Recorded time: 11:24:34
